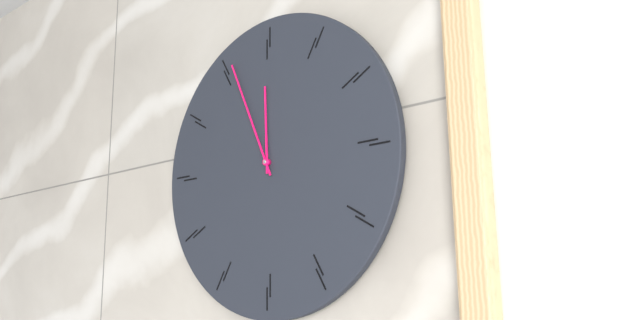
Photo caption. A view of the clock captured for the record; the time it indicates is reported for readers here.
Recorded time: 11:56
